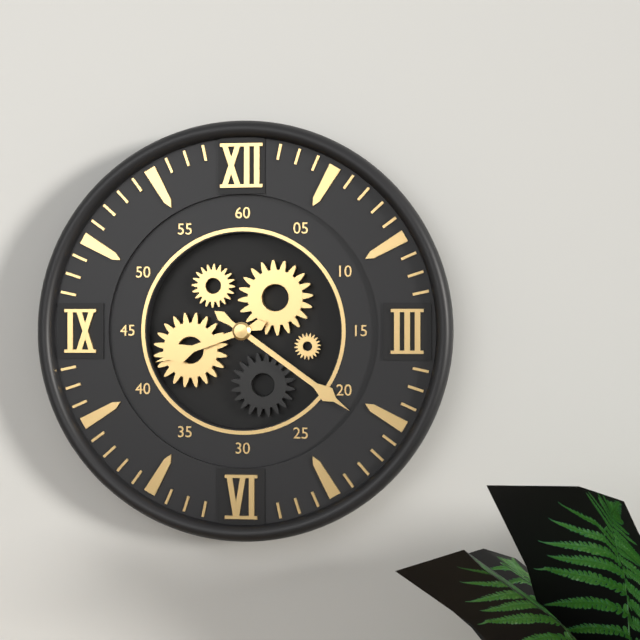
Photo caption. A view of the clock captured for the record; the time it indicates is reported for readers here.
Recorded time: 8:21
